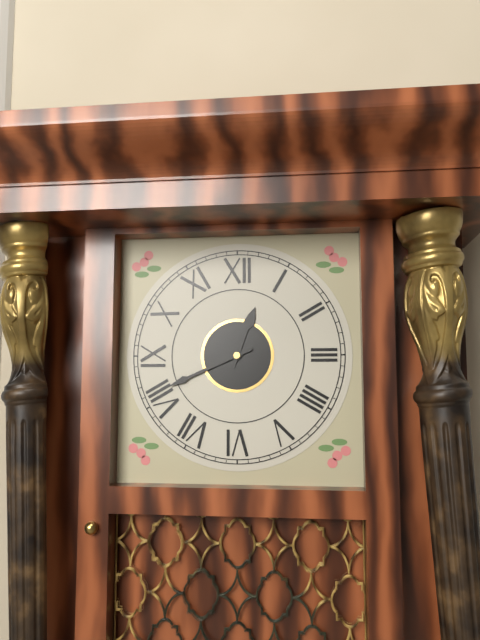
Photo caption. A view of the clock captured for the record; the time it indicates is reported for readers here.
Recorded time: 12:41
